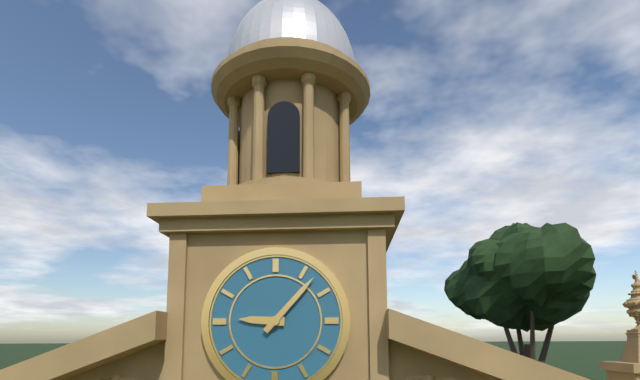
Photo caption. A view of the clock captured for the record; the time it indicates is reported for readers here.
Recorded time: 9:07
